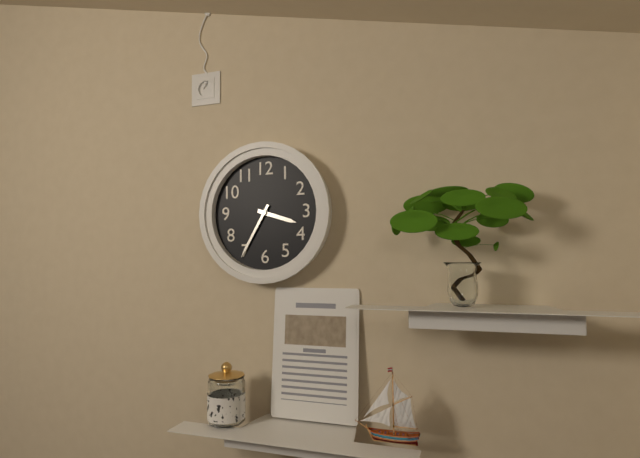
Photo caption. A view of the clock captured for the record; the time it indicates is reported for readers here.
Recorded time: 3:35
